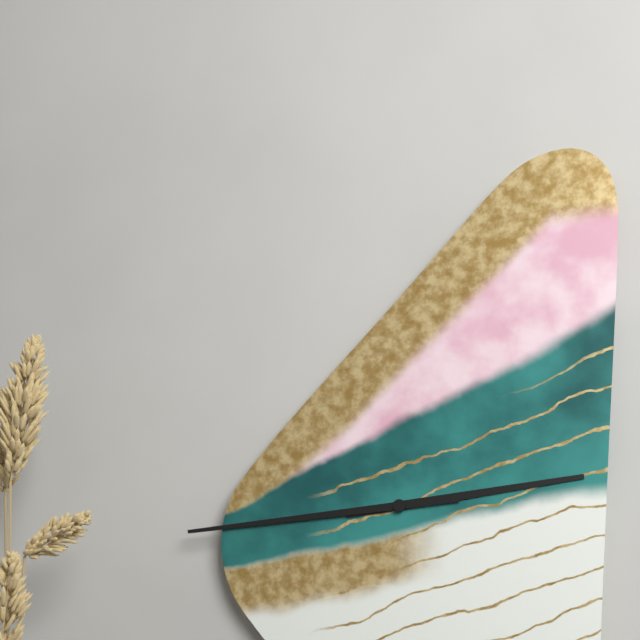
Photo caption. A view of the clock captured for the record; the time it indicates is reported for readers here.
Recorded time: 2:44
